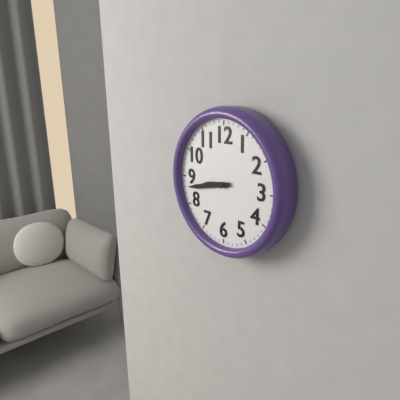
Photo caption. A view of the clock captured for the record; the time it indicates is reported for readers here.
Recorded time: 8:43
